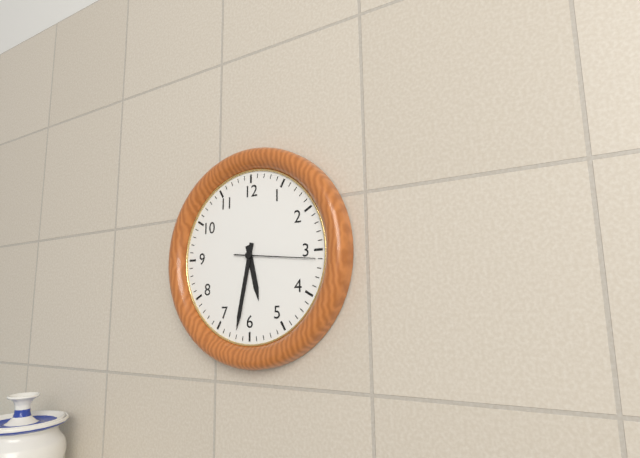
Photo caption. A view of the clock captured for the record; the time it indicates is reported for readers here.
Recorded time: 5:32:16
